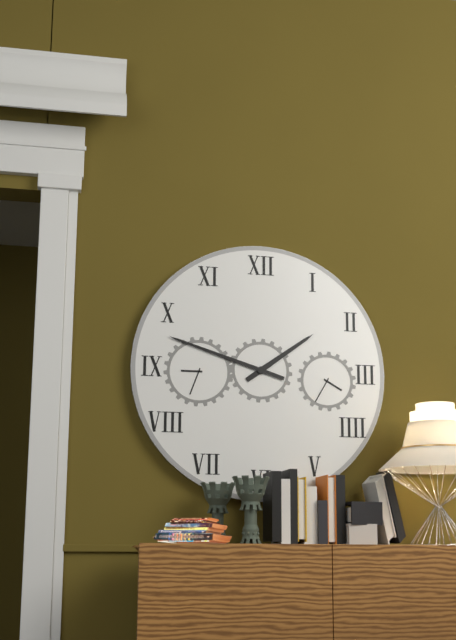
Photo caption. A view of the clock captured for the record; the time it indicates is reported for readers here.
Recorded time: 1:48
